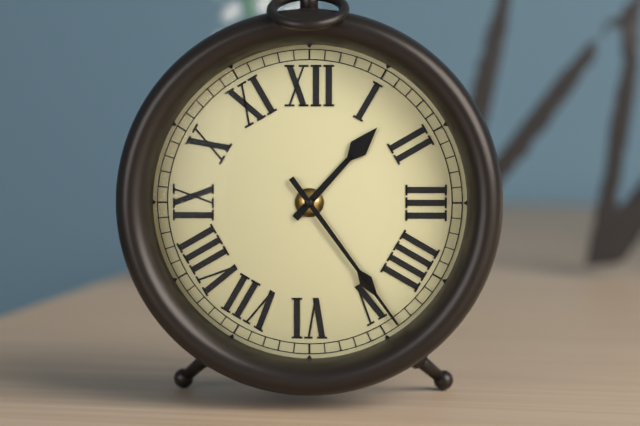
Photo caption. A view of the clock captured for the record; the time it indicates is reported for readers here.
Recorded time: 1:24
